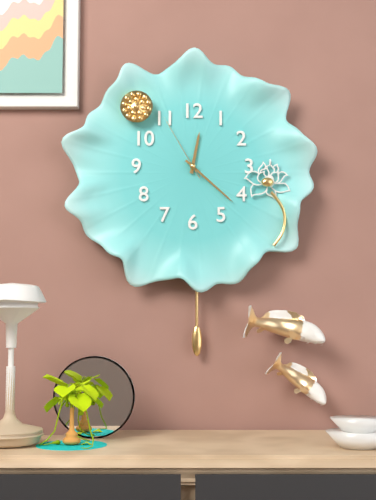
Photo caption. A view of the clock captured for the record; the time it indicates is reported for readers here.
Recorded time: 12:22:55
